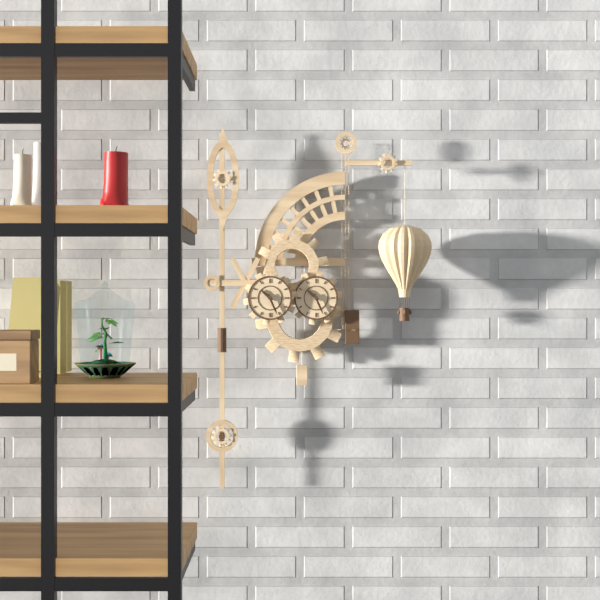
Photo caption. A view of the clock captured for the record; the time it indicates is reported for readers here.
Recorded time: 10:26
